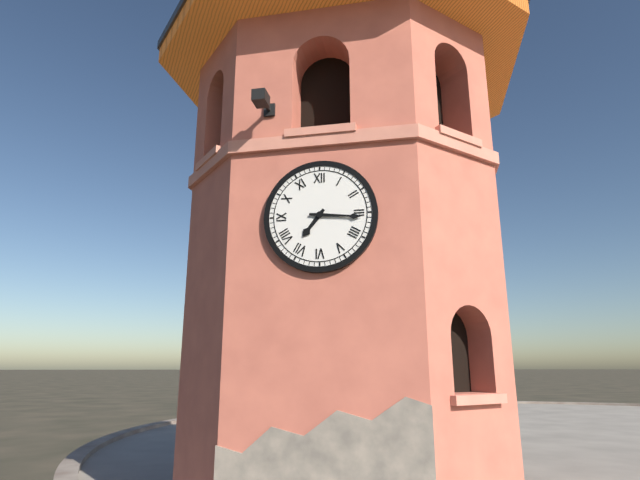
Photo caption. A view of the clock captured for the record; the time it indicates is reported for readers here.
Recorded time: 7:16
